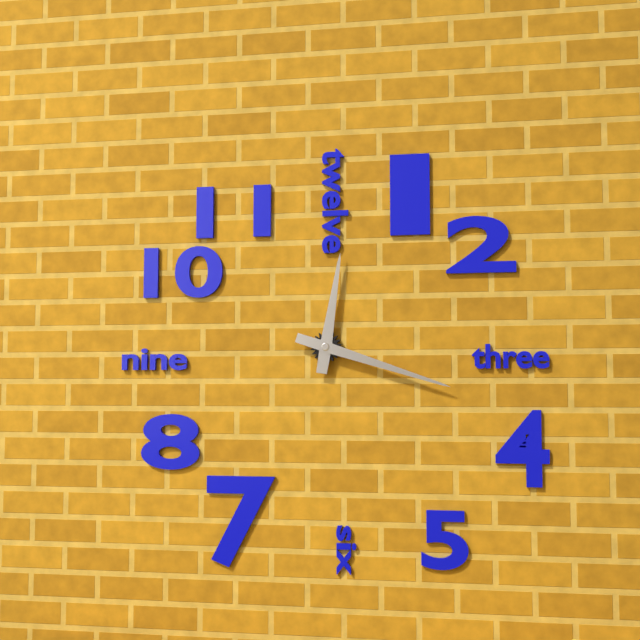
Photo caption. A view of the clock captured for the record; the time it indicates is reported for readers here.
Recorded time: 12:18
